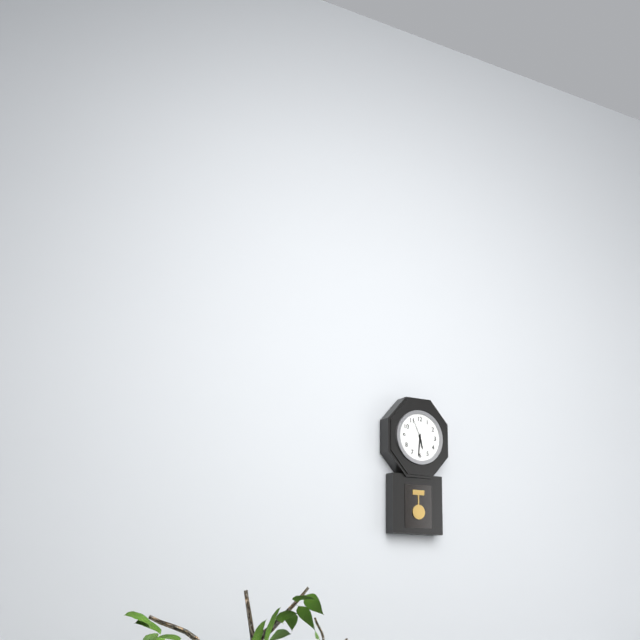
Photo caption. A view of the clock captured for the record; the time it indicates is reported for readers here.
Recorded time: 5:31
